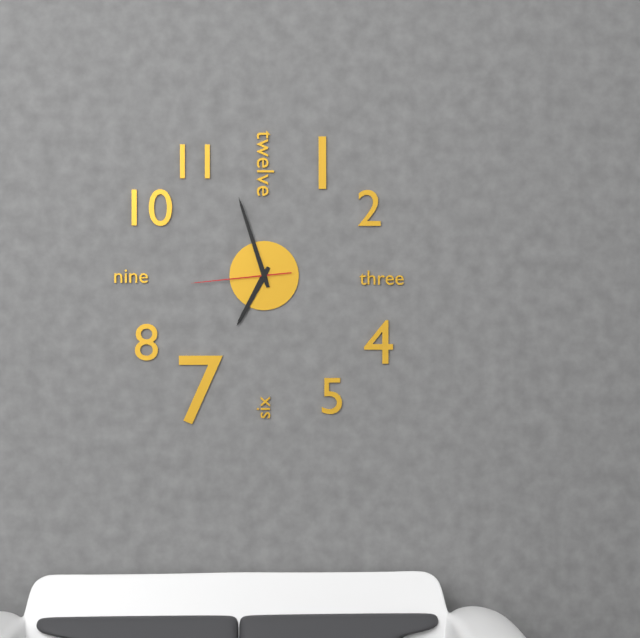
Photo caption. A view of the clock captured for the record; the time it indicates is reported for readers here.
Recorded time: 6:57:44
